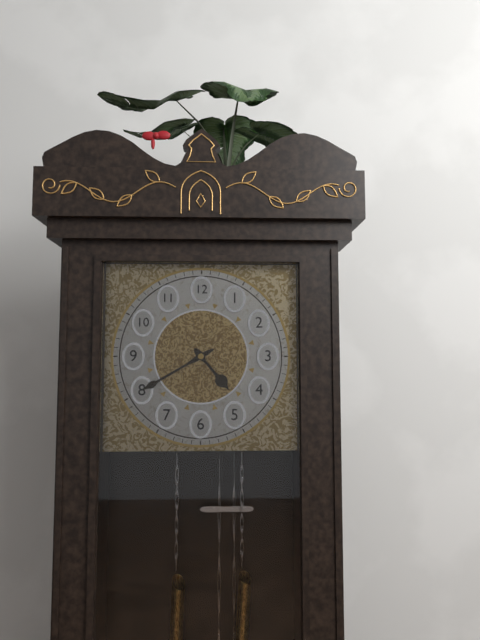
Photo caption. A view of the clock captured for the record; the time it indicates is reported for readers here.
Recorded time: 4:40
